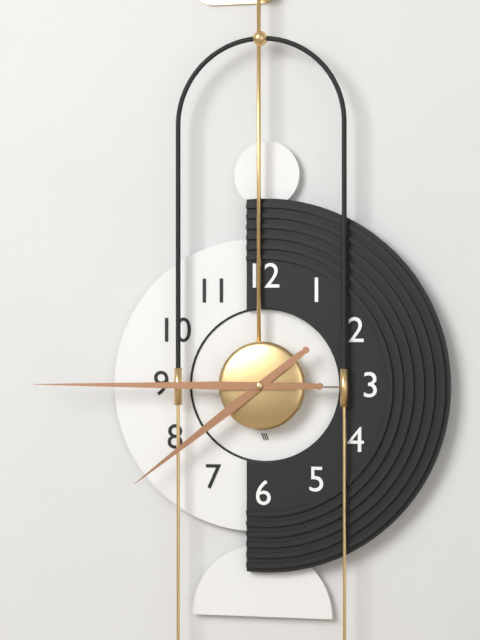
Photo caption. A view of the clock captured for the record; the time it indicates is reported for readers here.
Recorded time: 7:45
